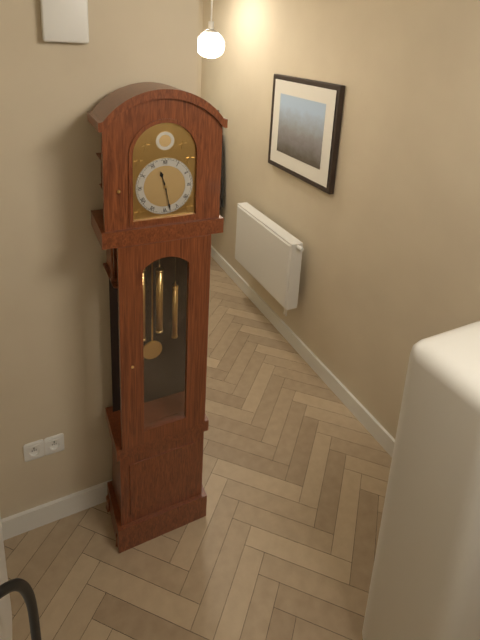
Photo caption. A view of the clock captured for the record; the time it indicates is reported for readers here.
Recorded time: 11:28
